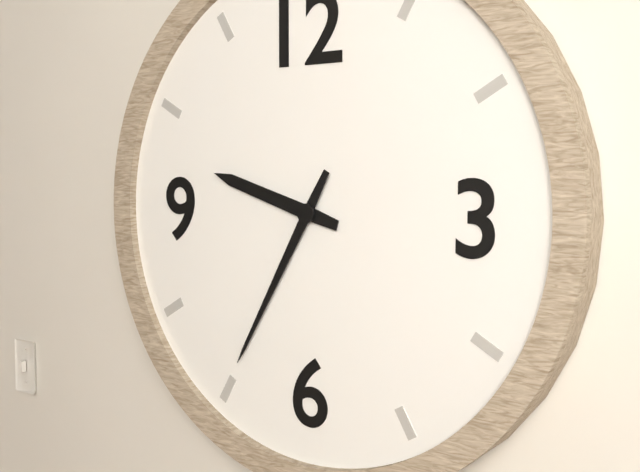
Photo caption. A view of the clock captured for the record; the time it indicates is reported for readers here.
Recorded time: 9:35
